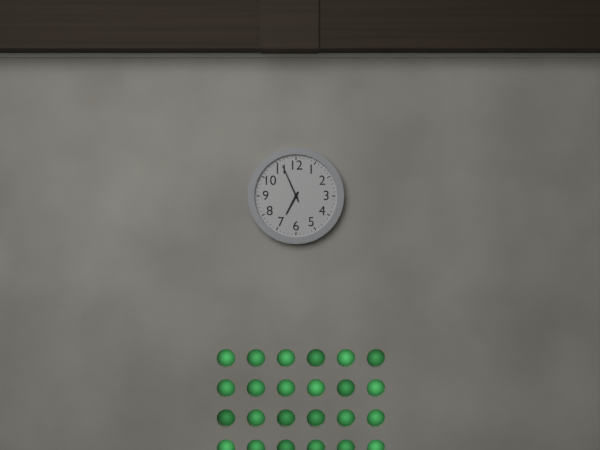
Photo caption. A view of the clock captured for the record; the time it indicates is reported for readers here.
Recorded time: 6:56
